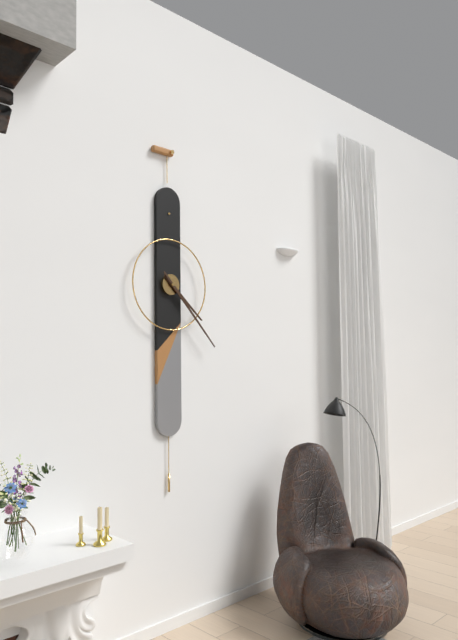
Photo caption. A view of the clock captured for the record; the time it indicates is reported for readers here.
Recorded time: 4:23
